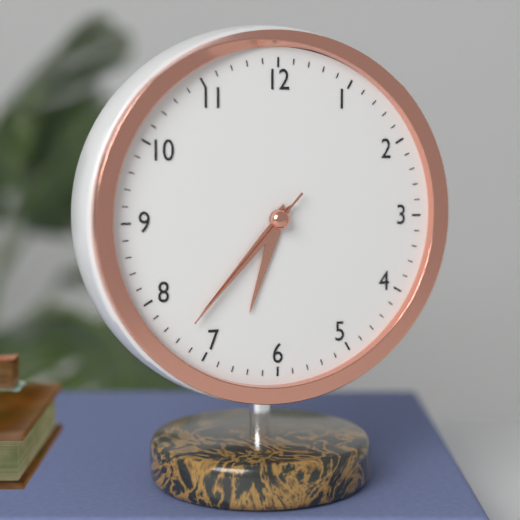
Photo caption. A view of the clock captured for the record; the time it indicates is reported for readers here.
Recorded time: 6:37:37
